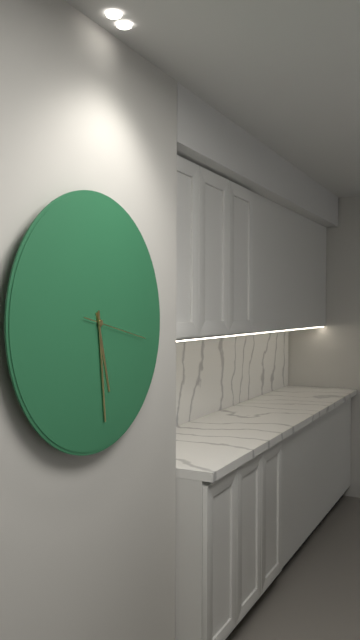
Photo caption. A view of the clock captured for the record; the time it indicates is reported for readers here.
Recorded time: 5:29:17
